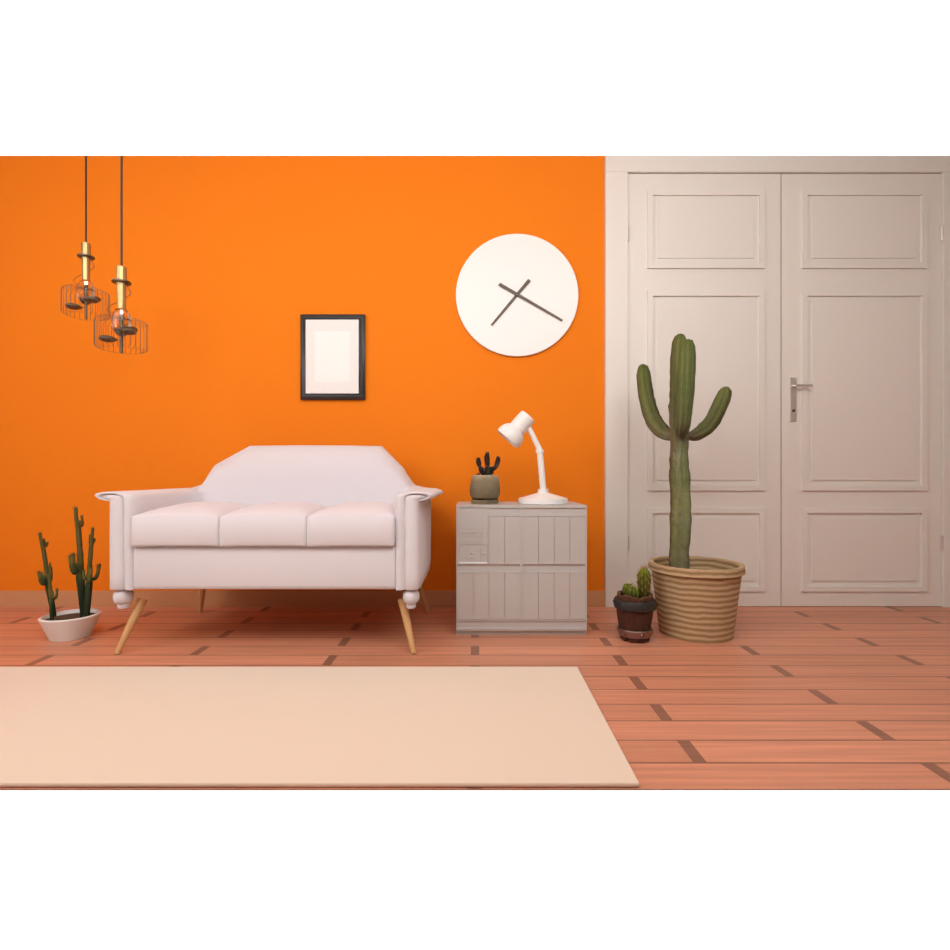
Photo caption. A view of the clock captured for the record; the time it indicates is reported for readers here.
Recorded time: 7:20
